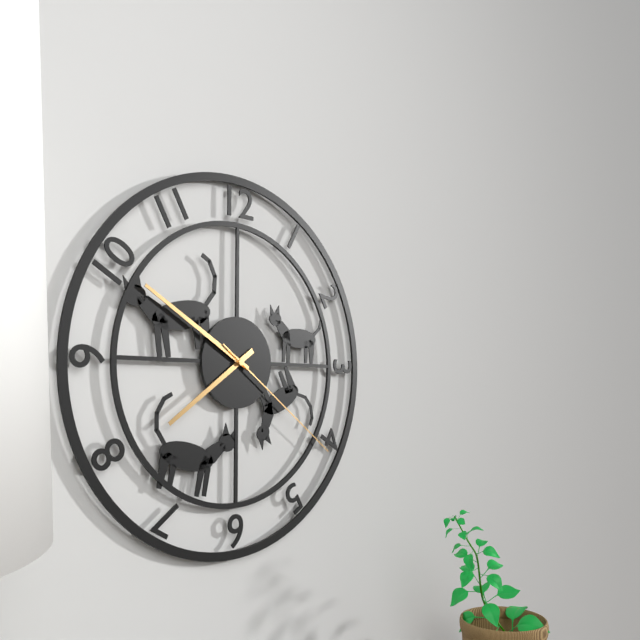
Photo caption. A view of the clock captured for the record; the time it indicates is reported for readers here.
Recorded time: 7:50:21
